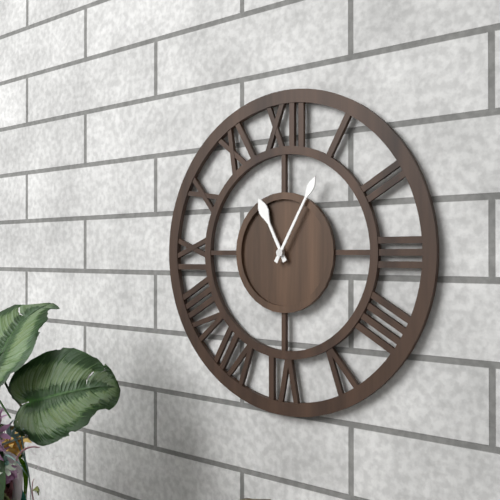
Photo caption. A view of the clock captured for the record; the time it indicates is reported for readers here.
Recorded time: 11:05
